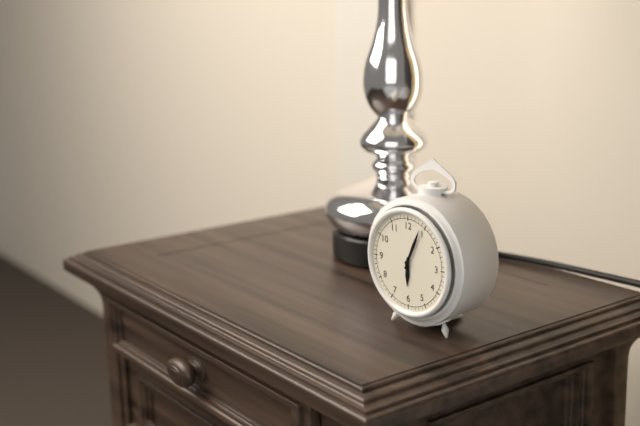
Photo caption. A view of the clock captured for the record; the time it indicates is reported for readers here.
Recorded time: 6:04
